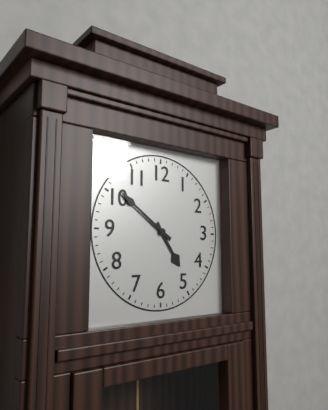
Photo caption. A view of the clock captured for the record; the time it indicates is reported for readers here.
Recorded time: 4:51
